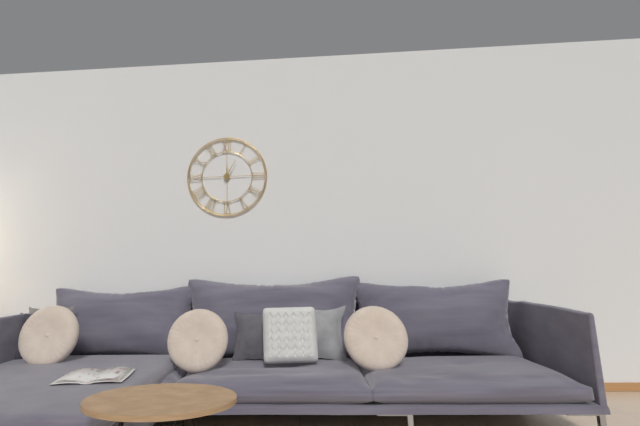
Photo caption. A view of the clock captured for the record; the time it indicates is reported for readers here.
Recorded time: 12:05
